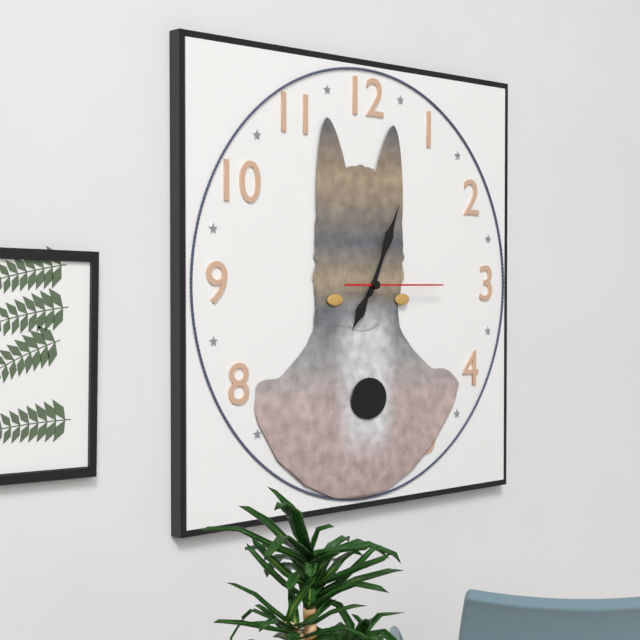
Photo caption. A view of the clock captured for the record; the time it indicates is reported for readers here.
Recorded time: 7:04:15
